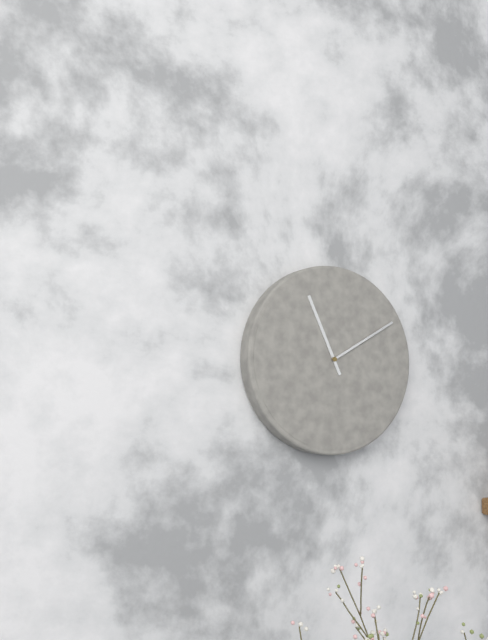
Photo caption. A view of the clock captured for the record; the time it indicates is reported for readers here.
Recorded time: 11:10
